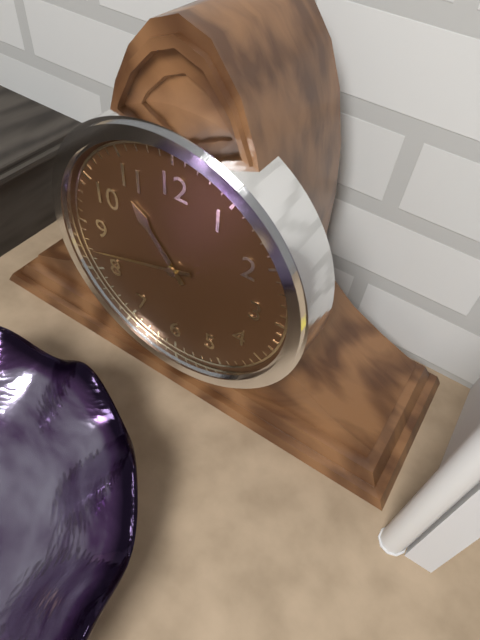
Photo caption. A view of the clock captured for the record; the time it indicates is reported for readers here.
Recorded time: 10:42
